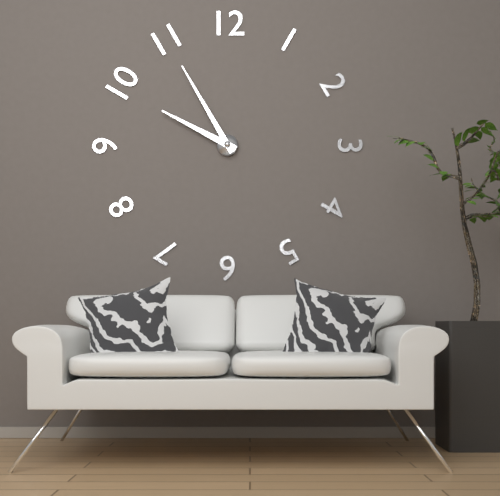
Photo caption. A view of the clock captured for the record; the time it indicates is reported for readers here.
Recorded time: 9:55
